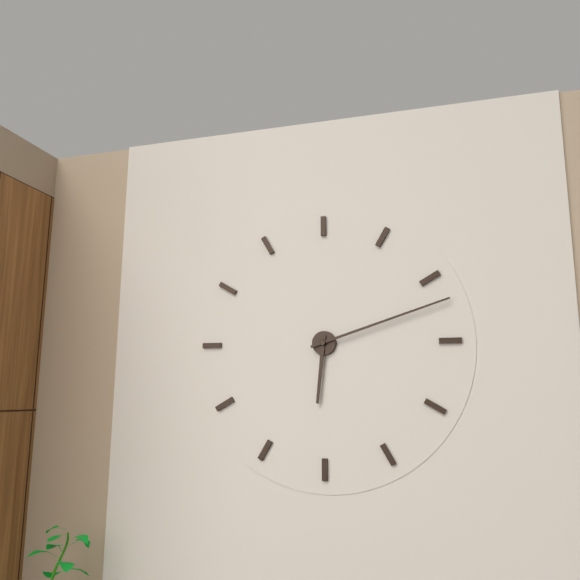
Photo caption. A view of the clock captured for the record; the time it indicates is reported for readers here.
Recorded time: 6:12
